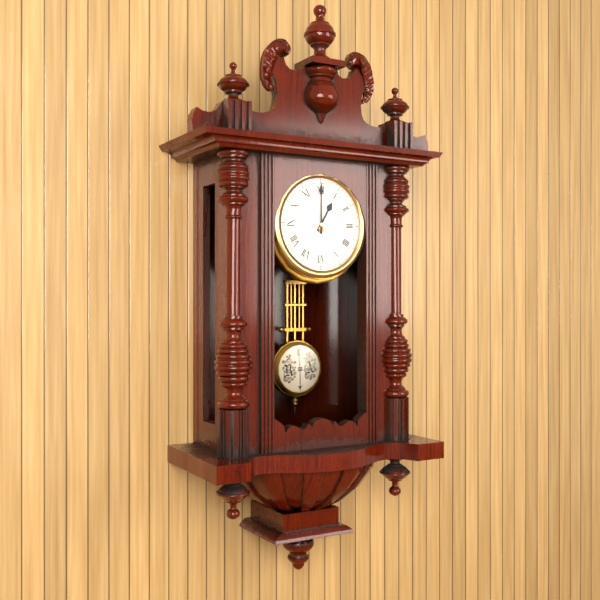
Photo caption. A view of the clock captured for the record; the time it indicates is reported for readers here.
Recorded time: 1:00
